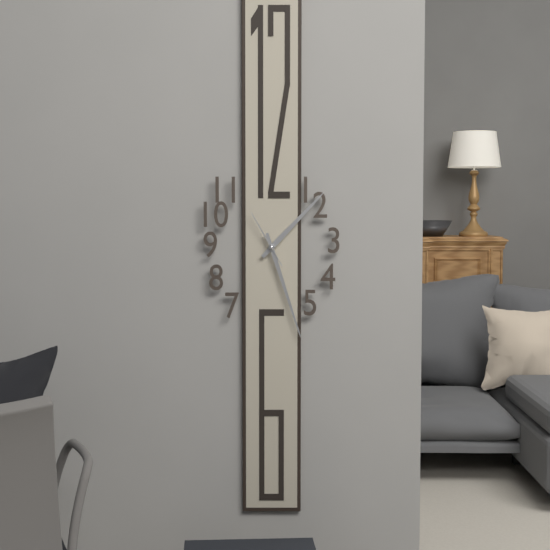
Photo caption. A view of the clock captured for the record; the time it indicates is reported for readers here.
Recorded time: 1:27:55
